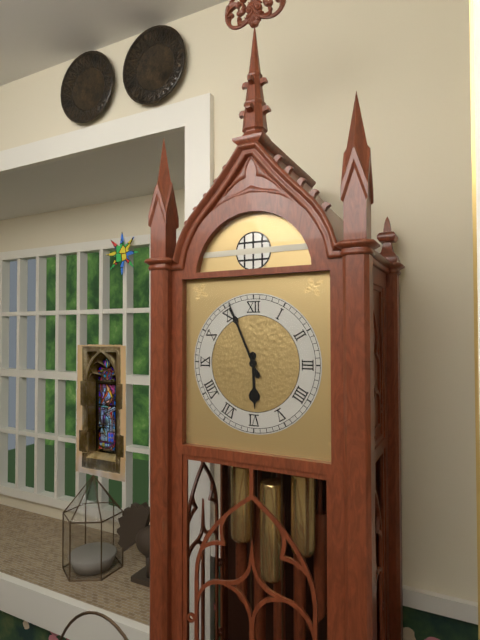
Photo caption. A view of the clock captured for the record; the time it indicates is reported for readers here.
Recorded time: 5:56
